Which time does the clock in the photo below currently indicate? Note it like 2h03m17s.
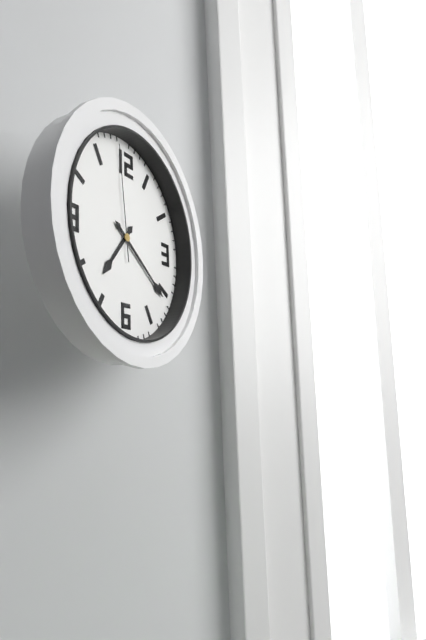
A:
7h21m59s
